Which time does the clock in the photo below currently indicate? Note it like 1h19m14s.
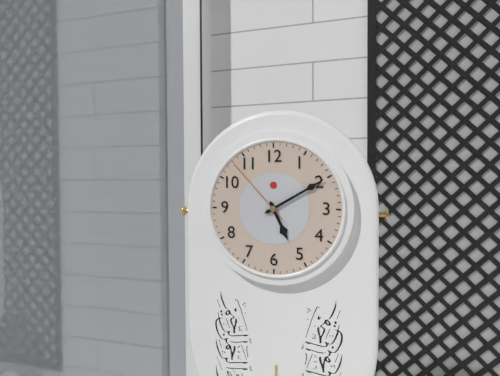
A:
5h10m53s
